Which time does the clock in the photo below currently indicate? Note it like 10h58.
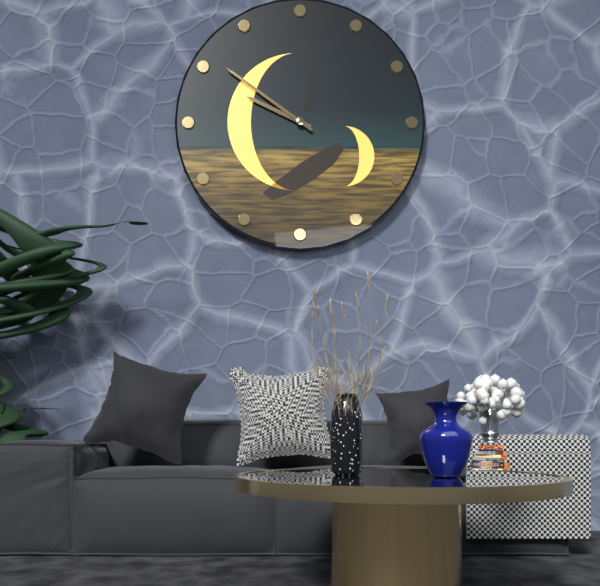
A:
9h51
